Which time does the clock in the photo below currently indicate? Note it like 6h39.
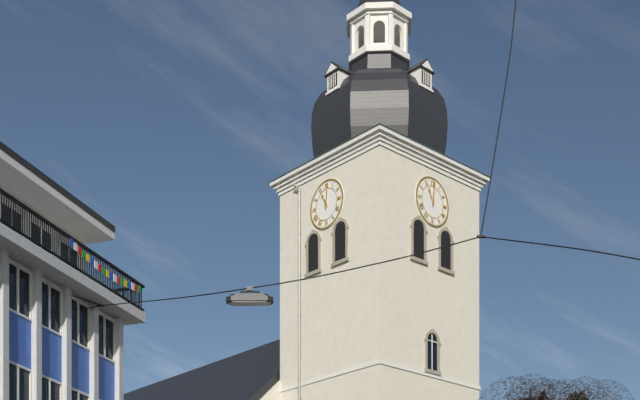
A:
11h01
